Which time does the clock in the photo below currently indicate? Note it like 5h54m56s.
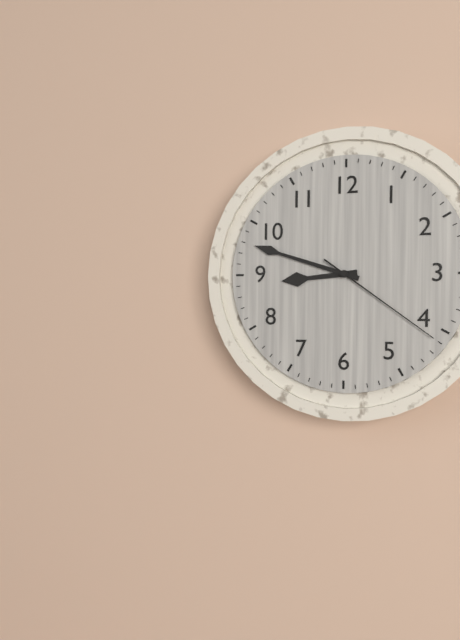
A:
8h48m21s
